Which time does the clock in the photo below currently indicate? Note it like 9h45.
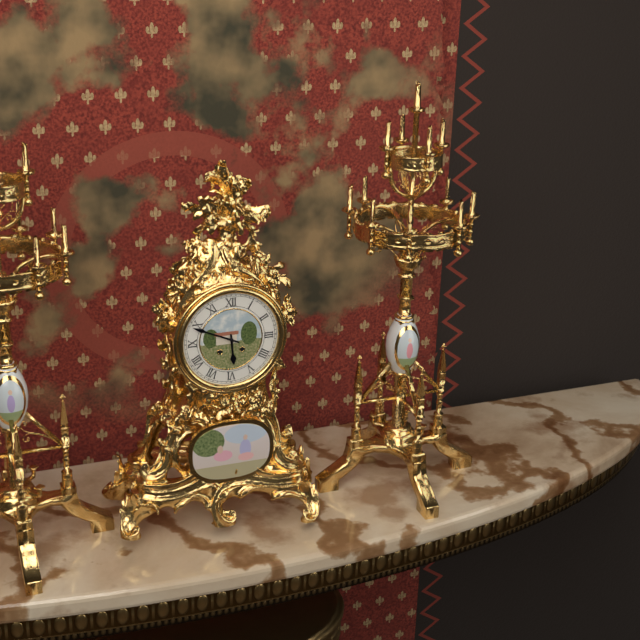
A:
5h49
